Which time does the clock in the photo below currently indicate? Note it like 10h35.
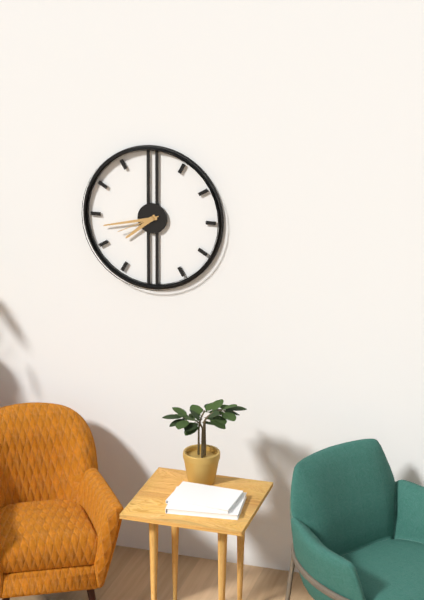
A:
7h43
